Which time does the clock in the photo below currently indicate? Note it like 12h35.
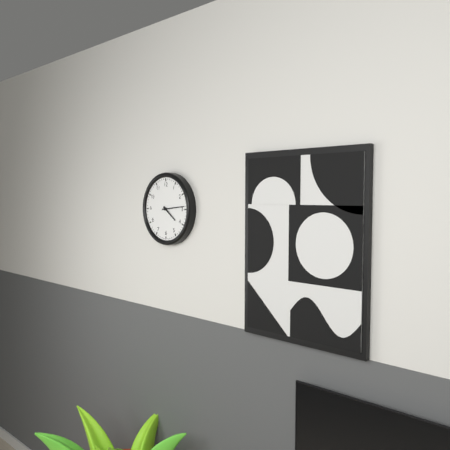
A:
4h14
